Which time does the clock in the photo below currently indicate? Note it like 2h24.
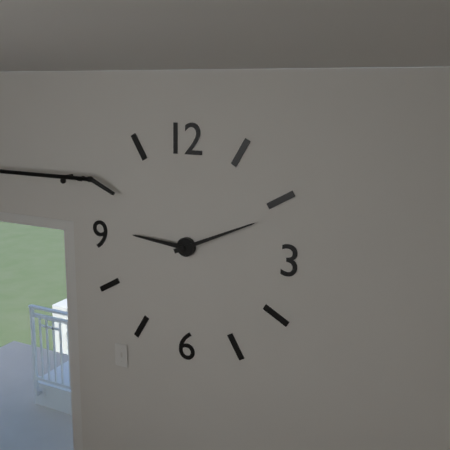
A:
9h11
